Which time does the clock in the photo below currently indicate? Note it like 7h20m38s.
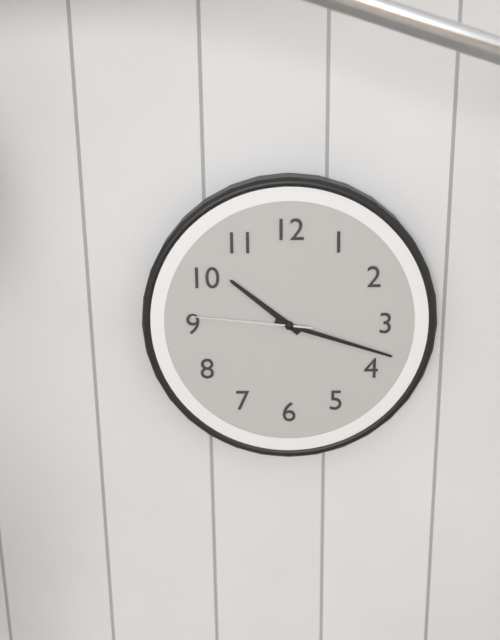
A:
10h18m46s
